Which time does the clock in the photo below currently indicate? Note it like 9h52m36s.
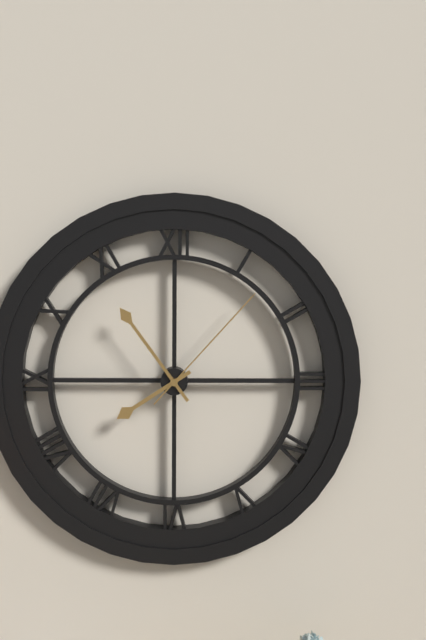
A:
7h54m07s
